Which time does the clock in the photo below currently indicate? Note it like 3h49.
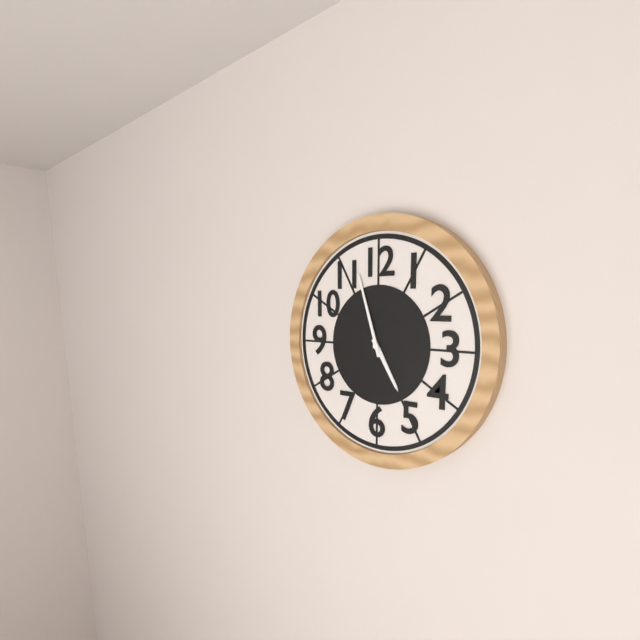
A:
4h57
